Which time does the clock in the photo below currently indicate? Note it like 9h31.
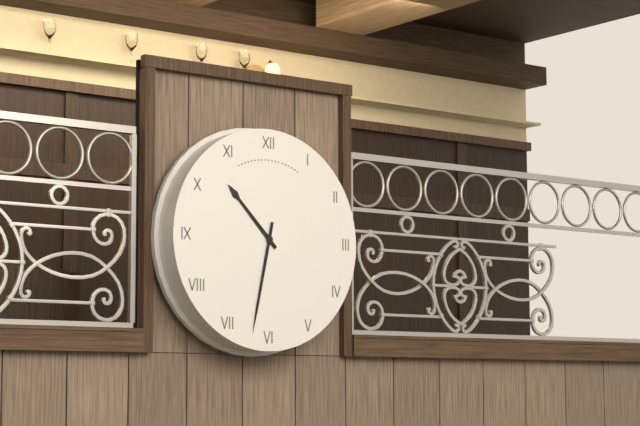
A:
10h32
